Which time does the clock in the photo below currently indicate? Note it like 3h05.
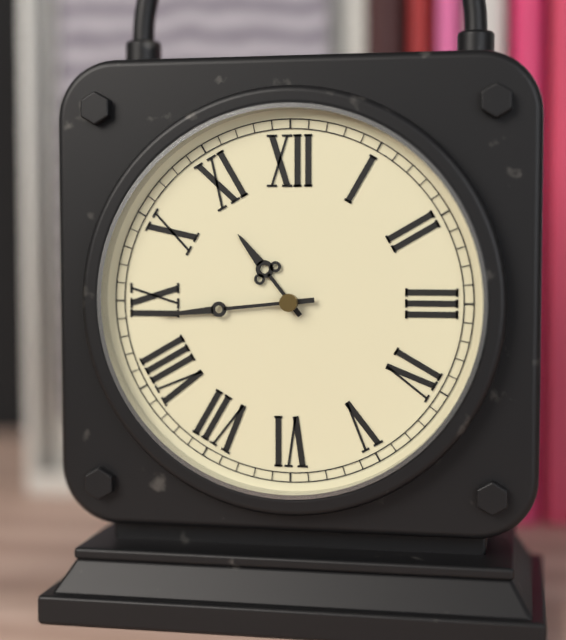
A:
10h44
